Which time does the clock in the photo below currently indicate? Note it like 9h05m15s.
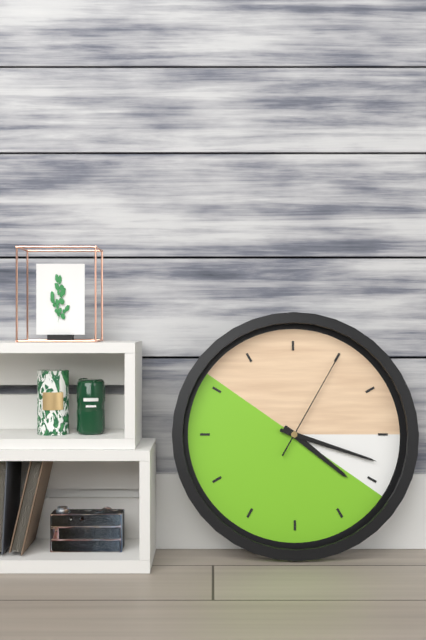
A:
4h18m05s
